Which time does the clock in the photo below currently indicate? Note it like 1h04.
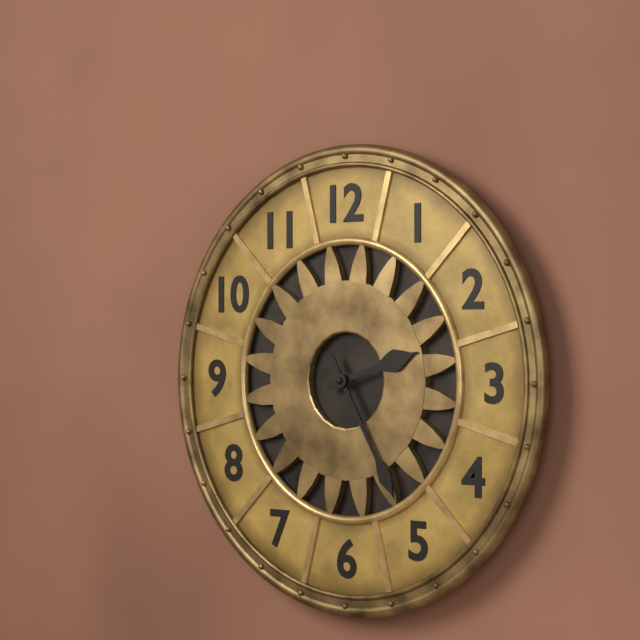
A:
2h25
